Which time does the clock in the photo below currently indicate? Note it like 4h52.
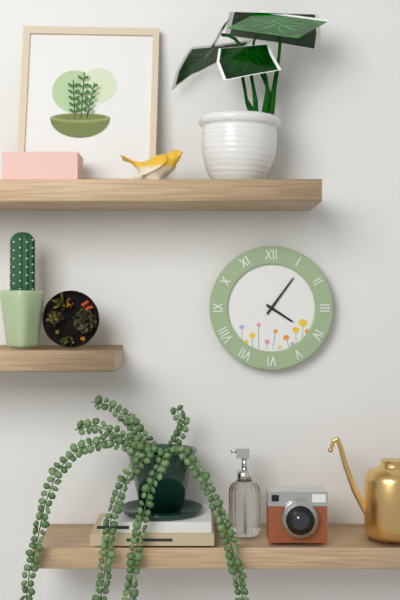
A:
4h06
